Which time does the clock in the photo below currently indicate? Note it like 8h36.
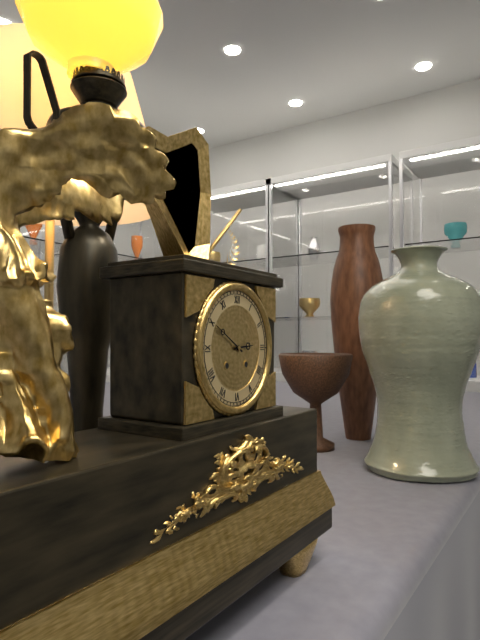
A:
2h50
